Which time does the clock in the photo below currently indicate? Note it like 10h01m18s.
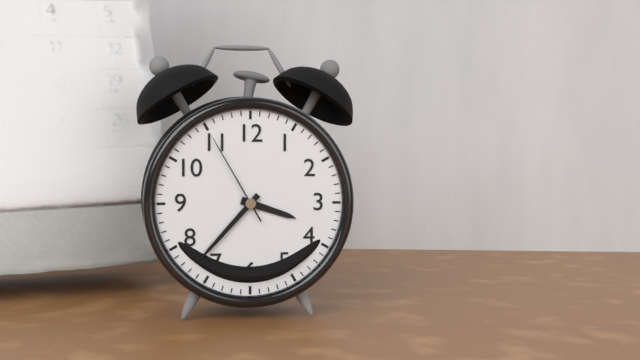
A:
3h37m55s
